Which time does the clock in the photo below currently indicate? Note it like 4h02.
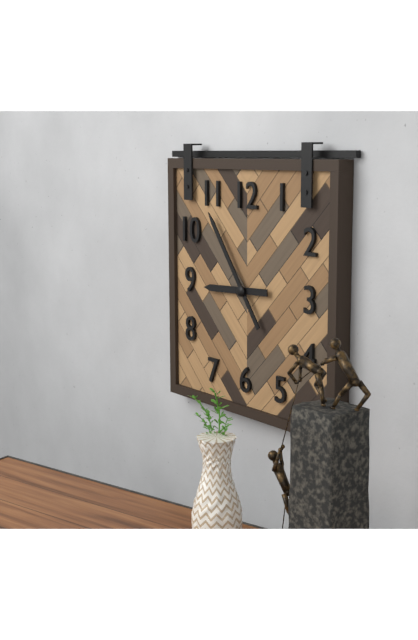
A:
8h54
